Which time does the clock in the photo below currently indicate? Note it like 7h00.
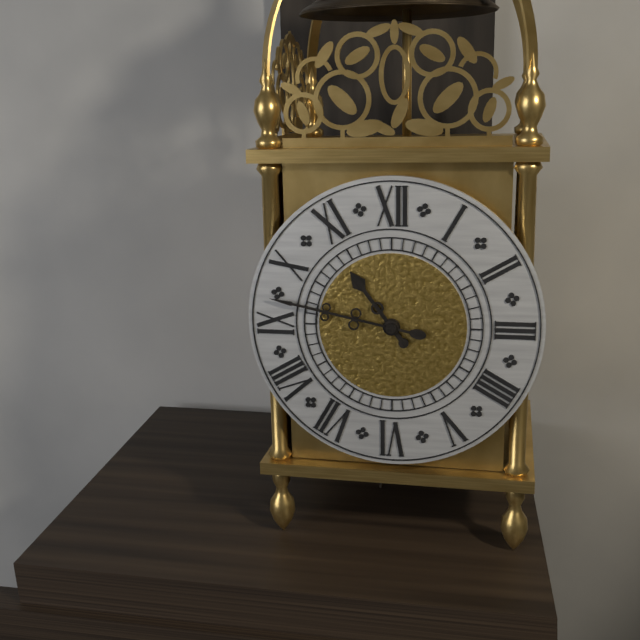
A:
10h47
